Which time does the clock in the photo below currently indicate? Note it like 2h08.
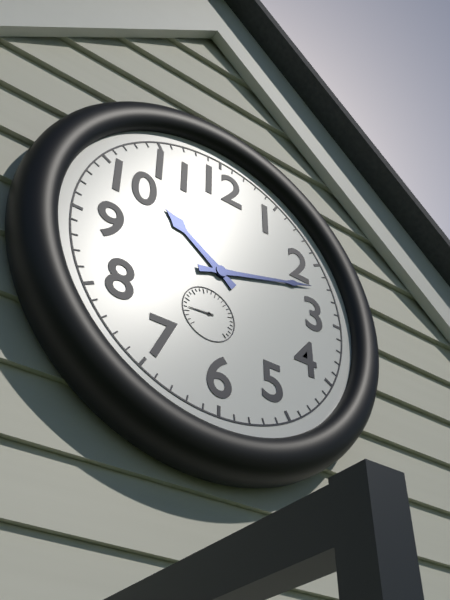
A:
10h12
